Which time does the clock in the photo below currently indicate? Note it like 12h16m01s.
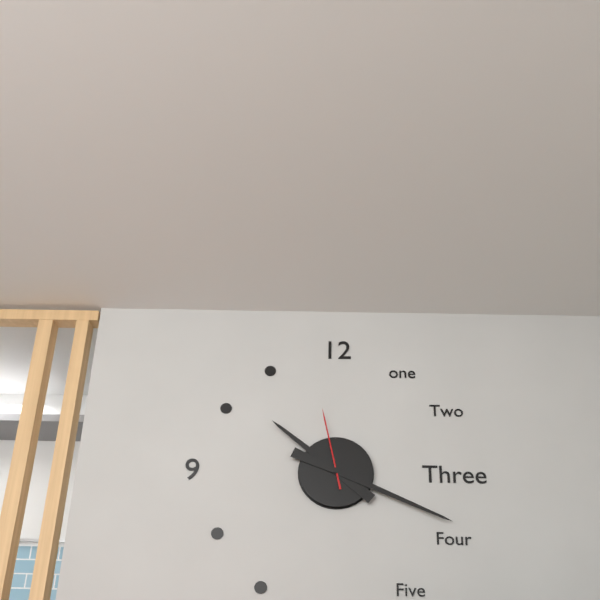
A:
10h19m58s
